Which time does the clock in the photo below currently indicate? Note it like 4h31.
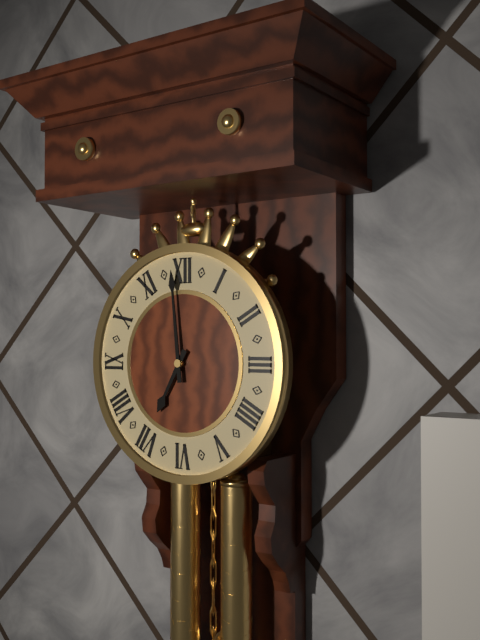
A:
6h59
